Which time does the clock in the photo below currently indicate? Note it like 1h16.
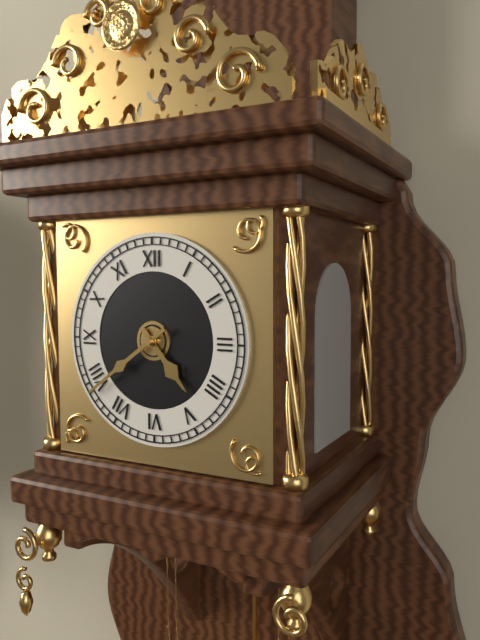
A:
4h39
